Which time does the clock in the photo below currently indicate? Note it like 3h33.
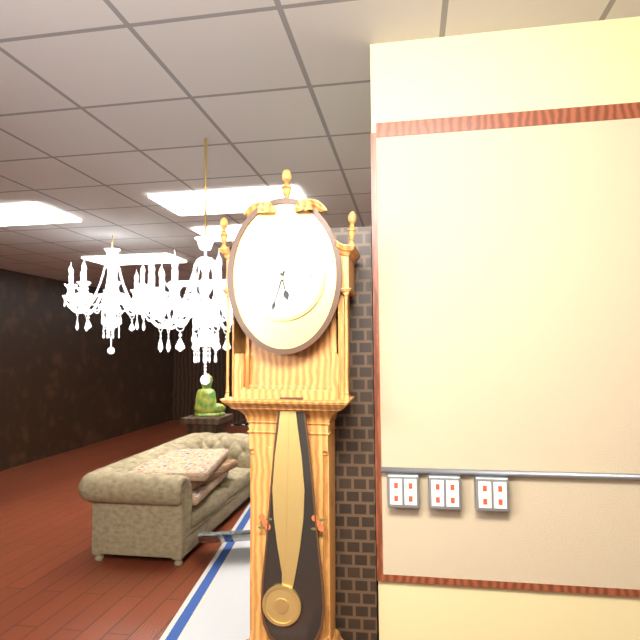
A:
5h33
